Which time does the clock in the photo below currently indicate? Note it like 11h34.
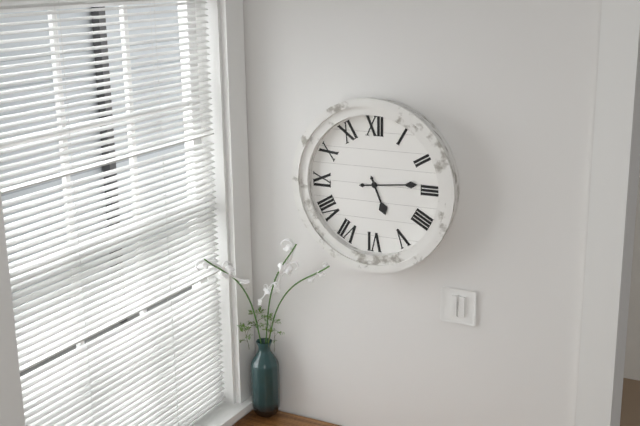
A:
5h14
